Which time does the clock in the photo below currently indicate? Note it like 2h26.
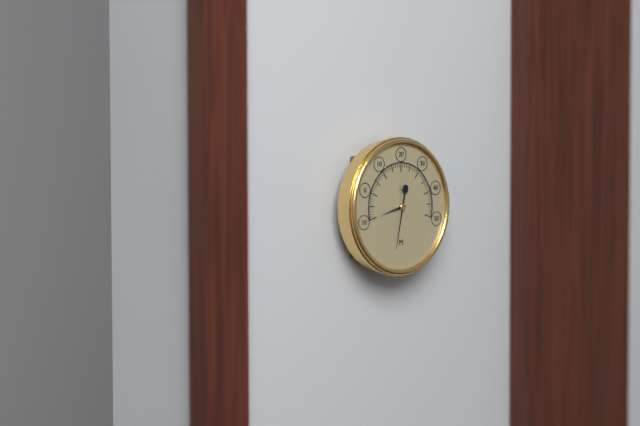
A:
8h32
